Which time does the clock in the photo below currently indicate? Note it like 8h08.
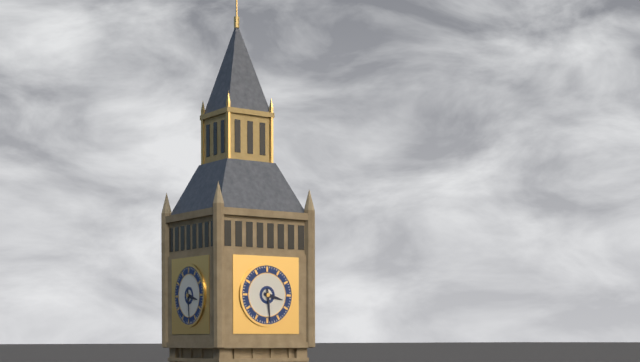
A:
3h29
